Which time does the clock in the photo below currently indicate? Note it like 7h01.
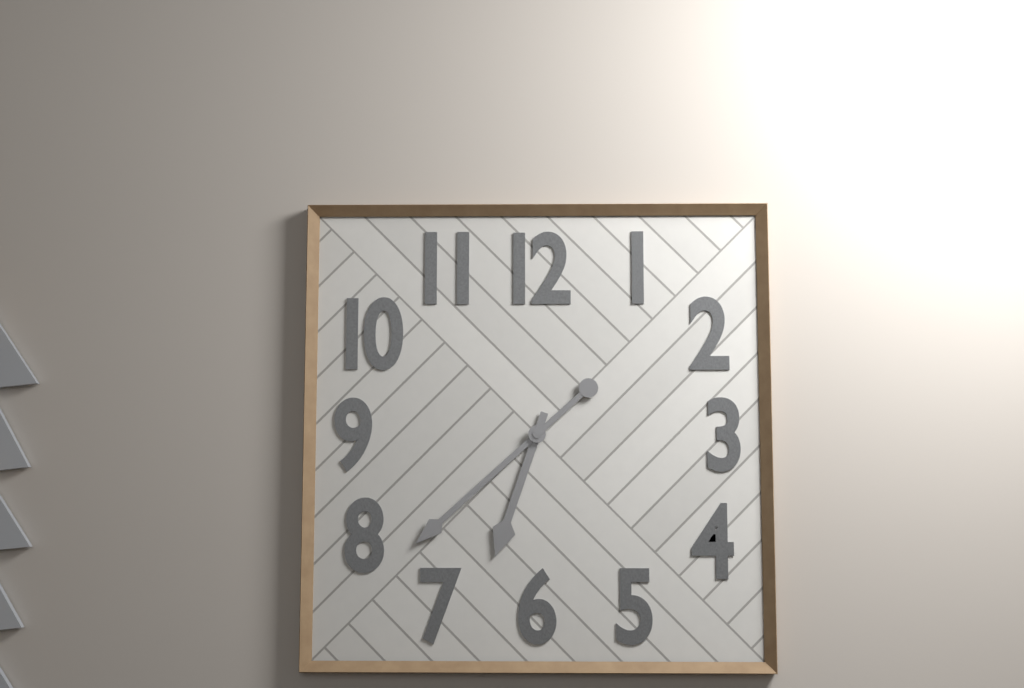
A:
6h38
